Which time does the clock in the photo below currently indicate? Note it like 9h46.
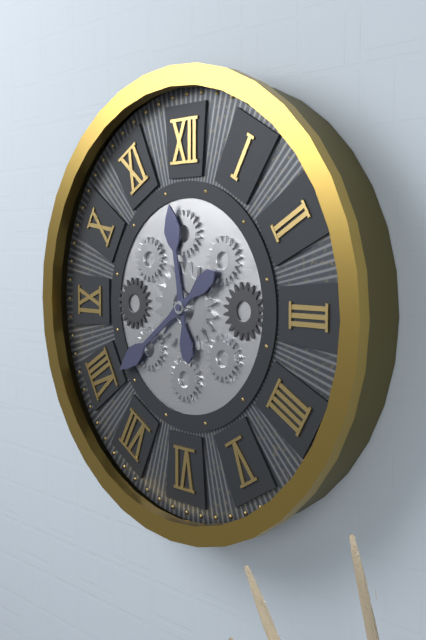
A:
11h39
